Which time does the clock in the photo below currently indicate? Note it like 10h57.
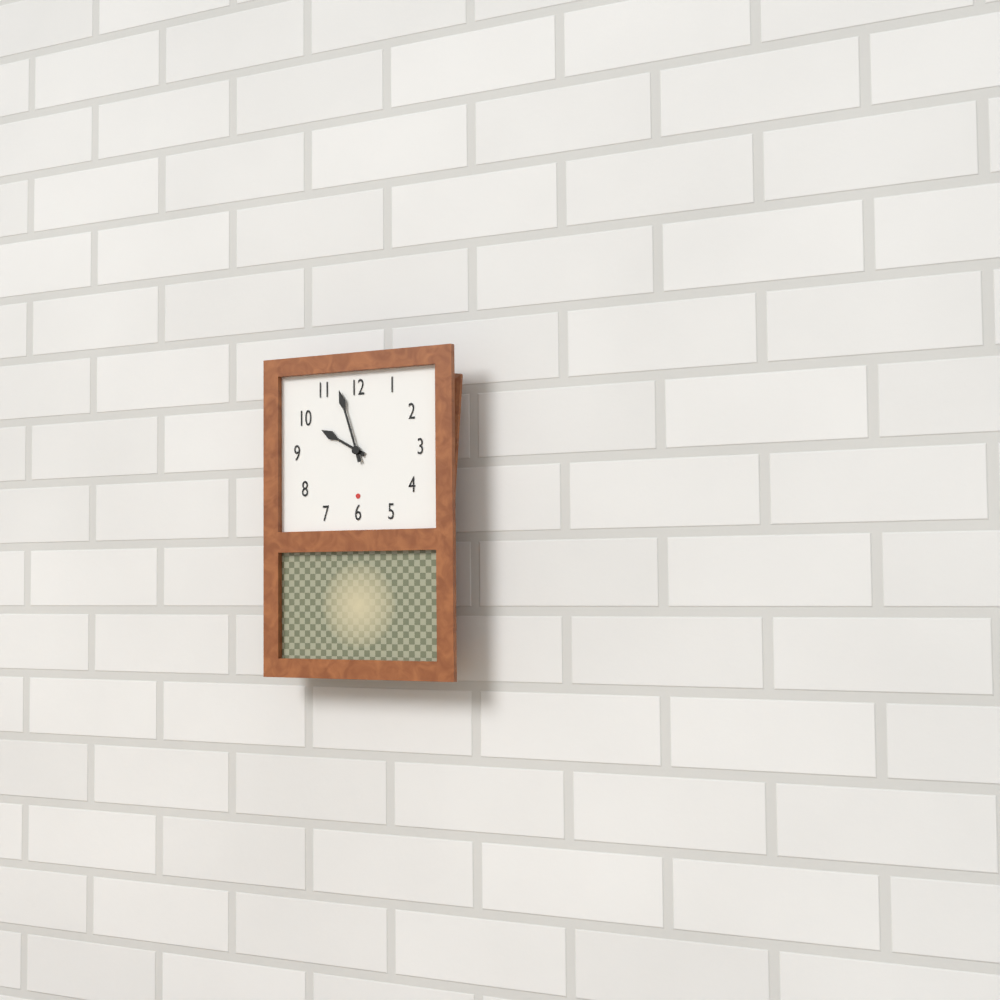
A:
9h57
